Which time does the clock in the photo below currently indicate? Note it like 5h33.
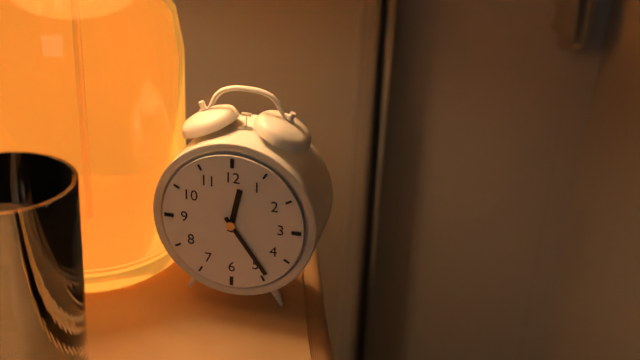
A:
12h24
